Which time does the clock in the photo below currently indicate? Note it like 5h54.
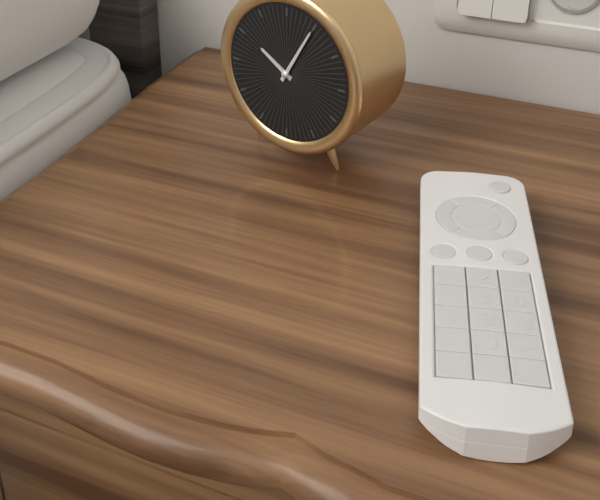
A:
10h05
